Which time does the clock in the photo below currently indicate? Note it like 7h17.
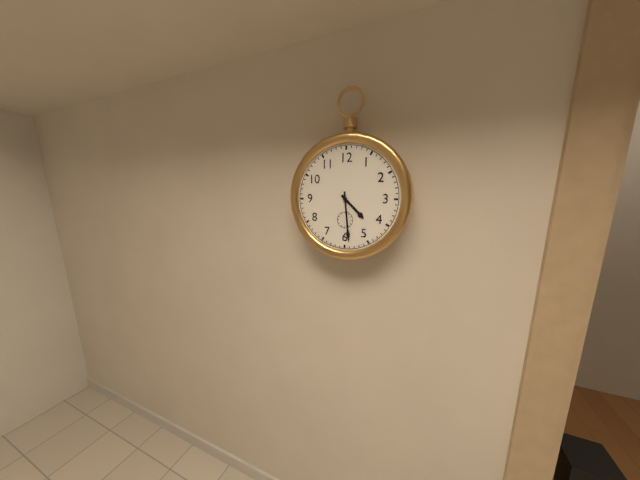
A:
4h29
